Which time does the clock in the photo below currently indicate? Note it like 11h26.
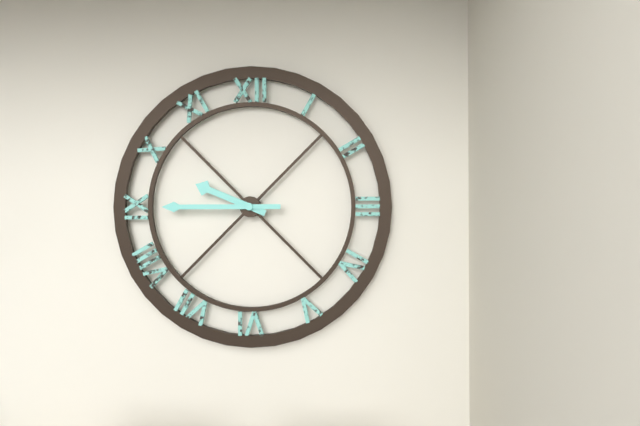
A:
9h45
